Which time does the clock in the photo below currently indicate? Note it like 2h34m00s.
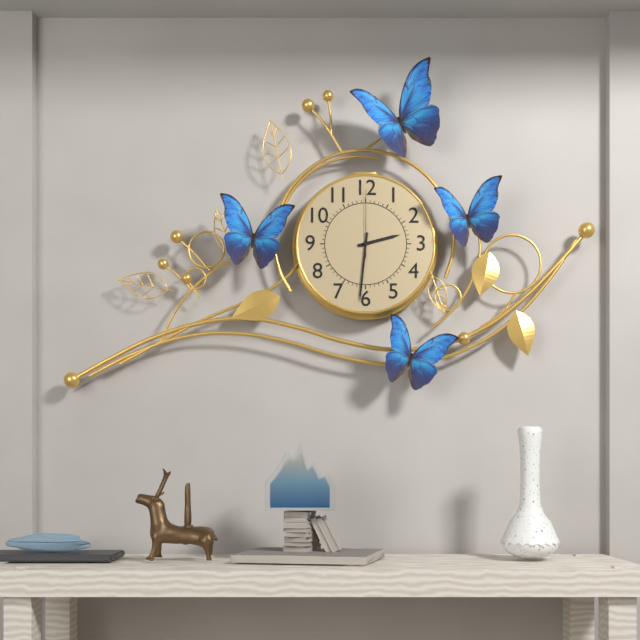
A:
2h31m00s
